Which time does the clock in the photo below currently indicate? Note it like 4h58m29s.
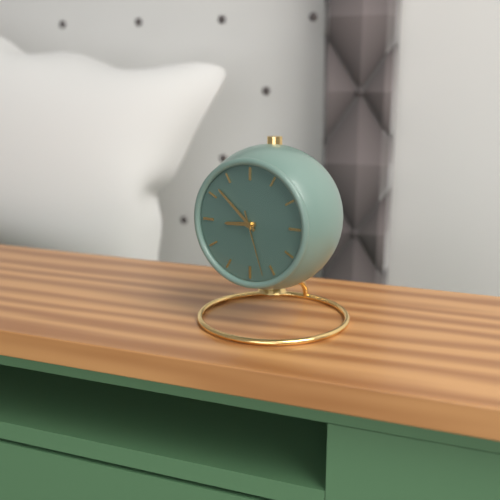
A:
8h52m27s
